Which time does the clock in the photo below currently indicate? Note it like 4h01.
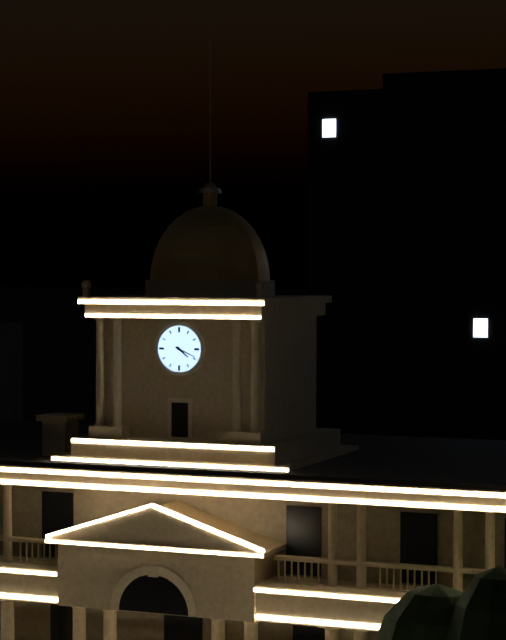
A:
4h19
